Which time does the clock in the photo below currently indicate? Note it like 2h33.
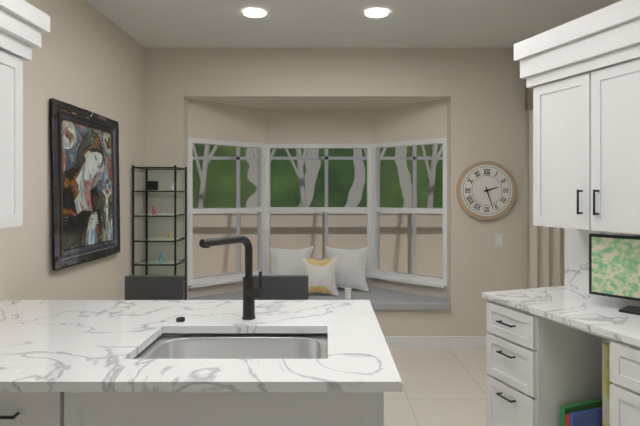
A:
2h27
